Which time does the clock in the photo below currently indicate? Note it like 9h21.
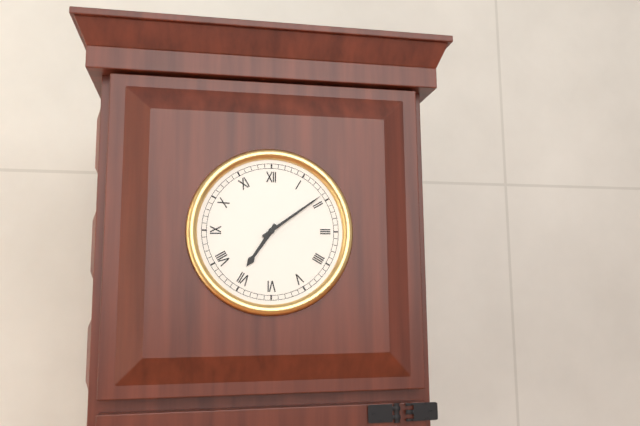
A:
7h09
